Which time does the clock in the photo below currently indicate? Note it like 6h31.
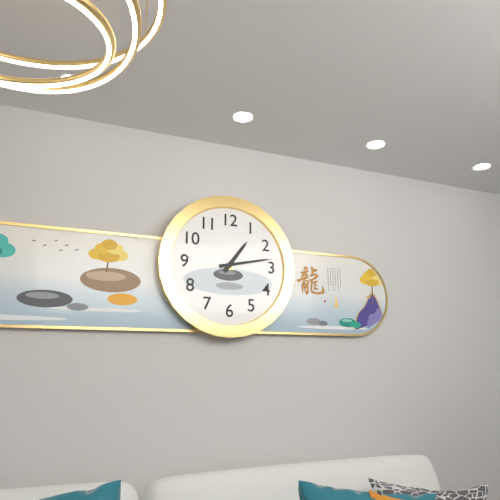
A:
1h13
